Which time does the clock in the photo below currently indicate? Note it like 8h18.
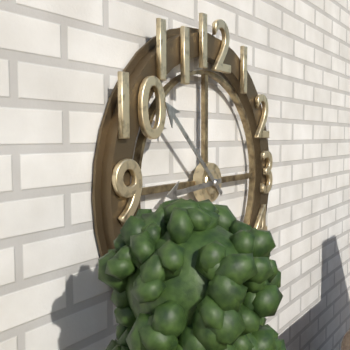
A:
8h52
